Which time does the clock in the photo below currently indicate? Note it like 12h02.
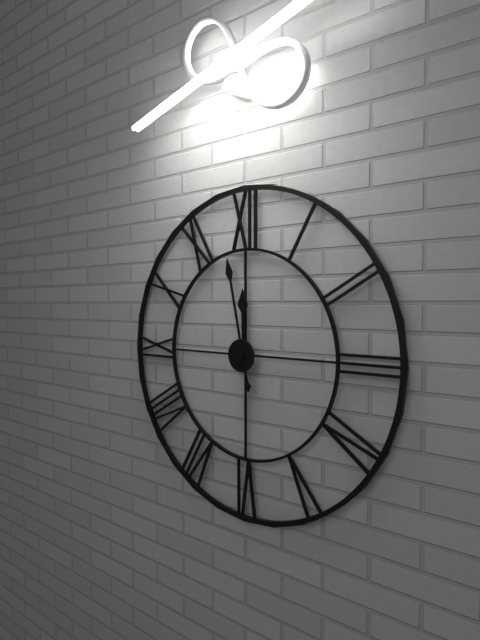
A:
11h58
